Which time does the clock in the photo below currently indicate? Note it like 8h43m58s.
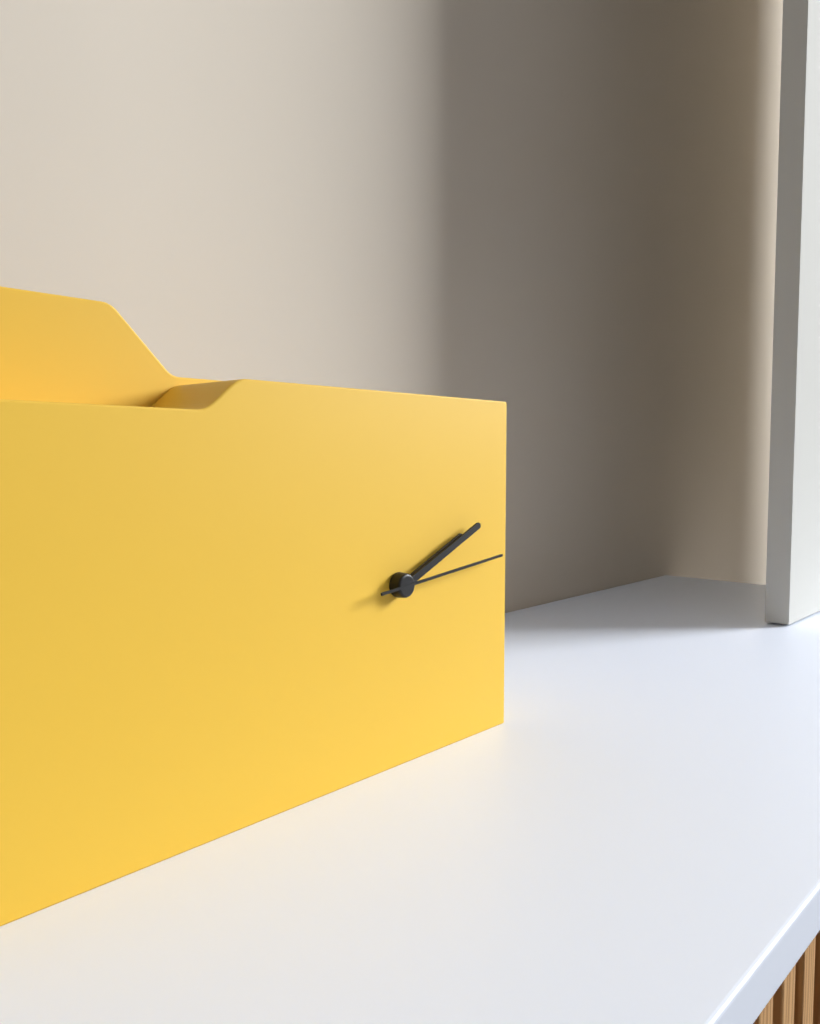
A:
2h11m14s
